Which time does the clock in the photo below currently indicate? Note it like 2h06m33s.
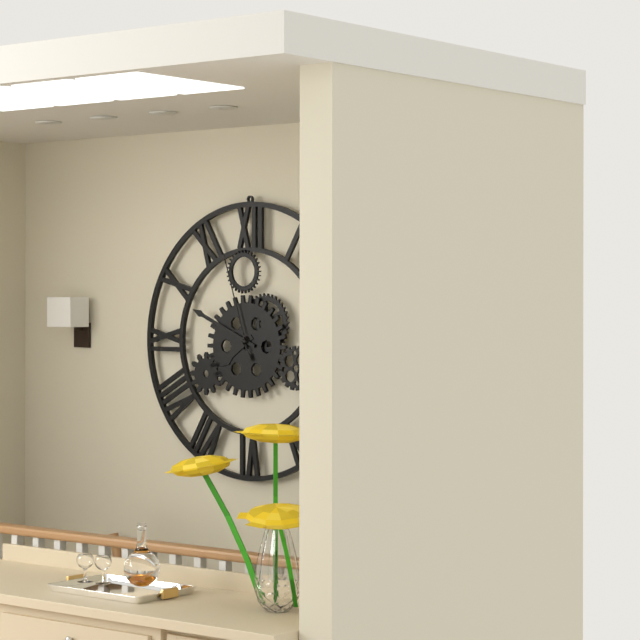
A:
7h49m57s
